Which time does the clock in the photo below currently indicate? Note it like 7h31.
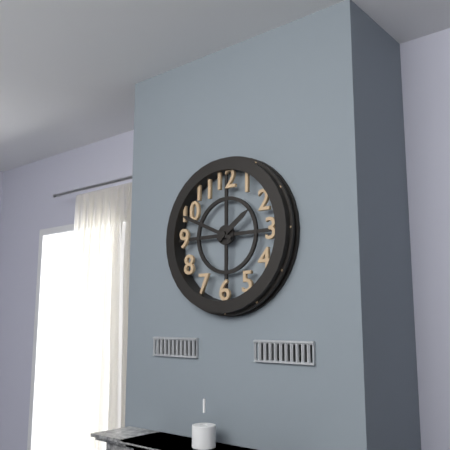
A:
1h49
